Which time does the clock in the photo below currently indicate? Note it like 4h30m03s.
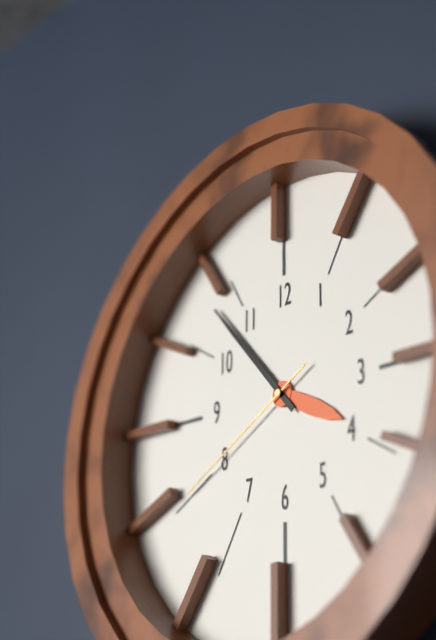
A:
3h53m40s
